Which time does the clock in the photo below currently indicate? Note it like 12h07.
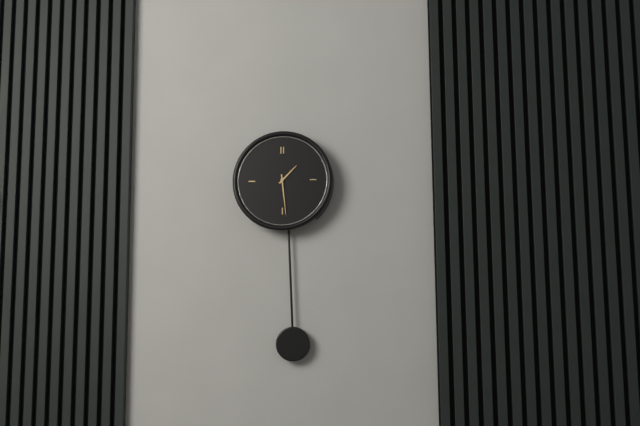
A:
1h29
